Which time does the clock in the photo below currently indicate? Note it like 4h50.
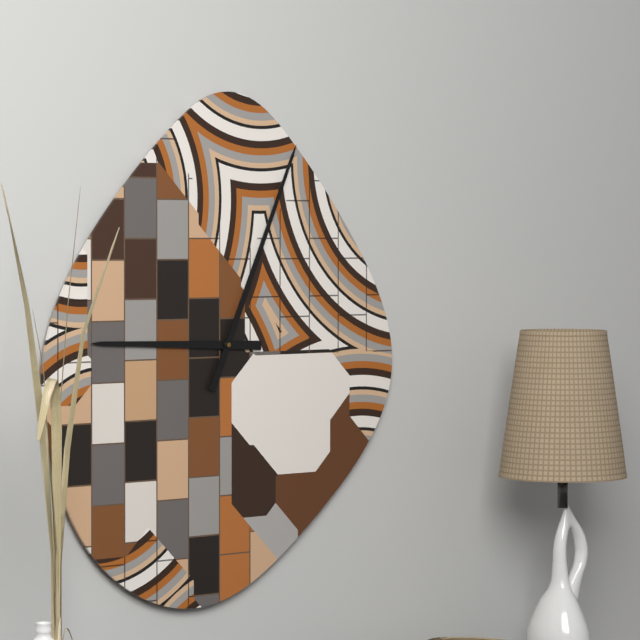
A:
9h04
